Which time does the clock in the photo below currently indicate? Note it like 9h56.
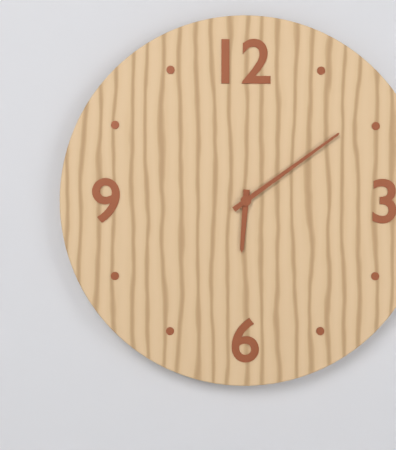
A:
6h09
